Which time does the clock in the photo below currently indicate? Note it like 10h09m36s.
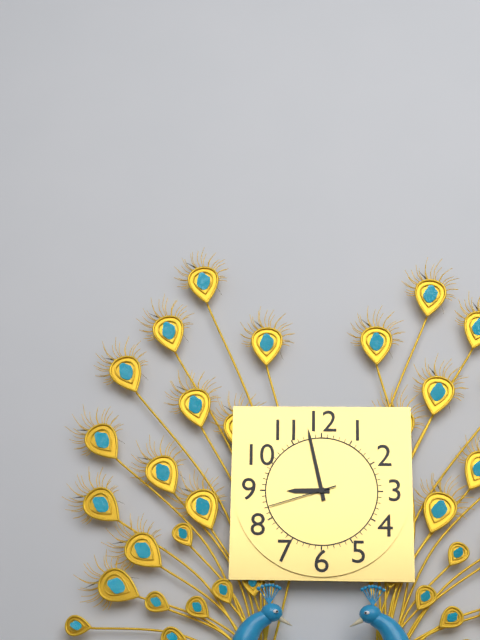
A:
8h58m42s
